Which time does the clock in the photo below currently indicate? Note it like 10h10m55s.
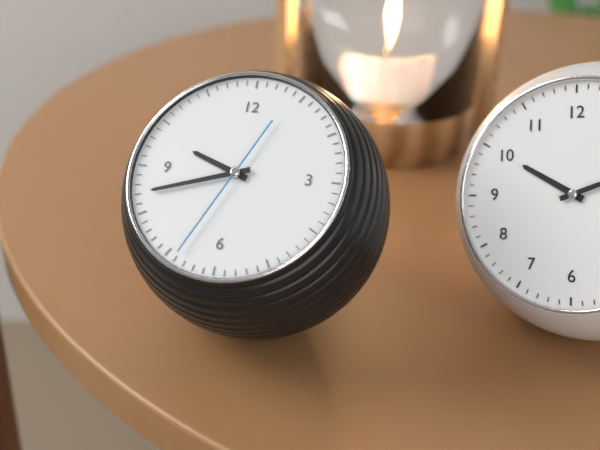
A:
9h42m34s
